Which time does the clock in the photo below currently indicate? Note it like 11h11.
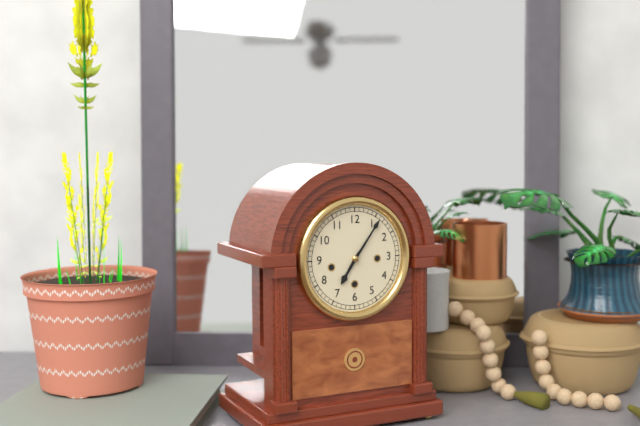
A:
7h06
